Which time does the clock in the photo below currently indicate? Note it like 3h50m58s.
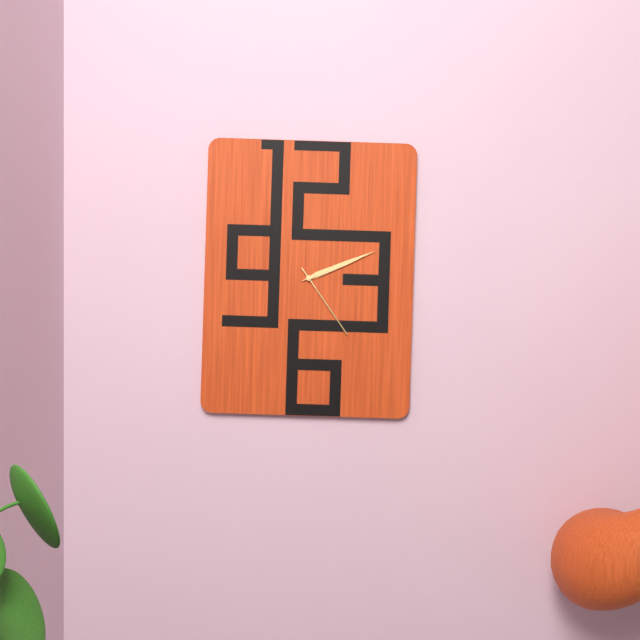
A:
2h11m24s
